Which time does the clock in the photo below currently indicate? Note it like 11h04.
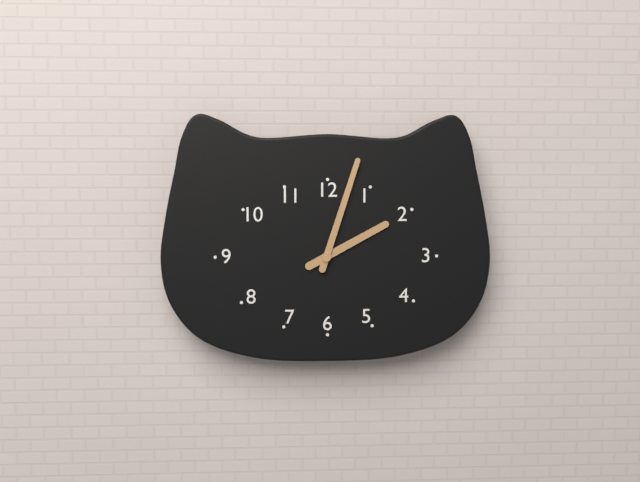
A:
2h03
